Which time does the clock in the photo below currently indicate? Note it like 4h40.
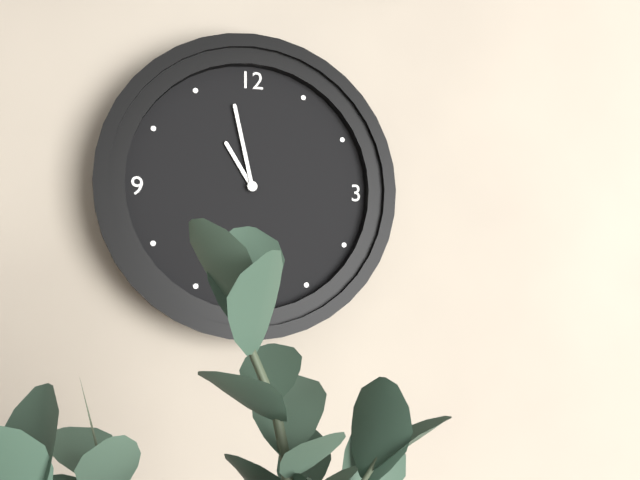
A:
10h58
